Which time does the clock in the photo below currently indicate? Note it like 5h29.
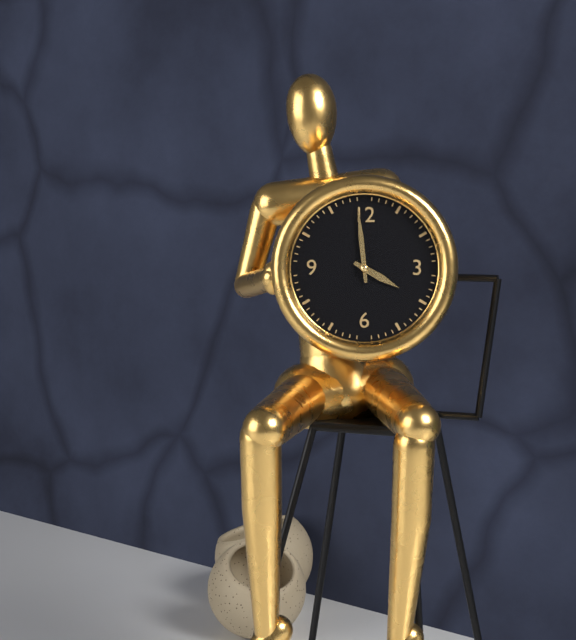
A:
3h59
